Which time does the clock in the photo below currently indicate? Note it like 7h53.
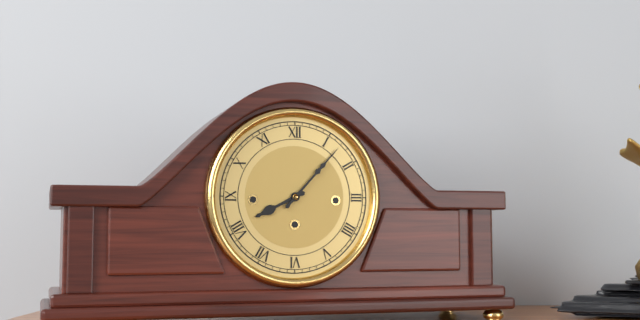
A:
8h07
